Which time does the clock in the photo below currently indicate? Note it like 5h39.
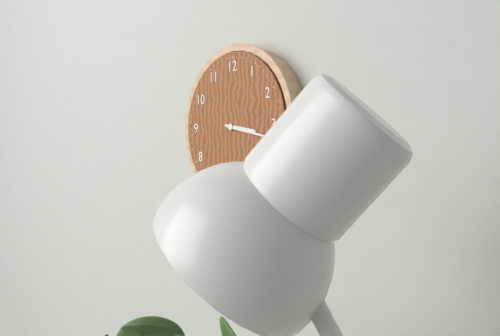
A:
3h17
